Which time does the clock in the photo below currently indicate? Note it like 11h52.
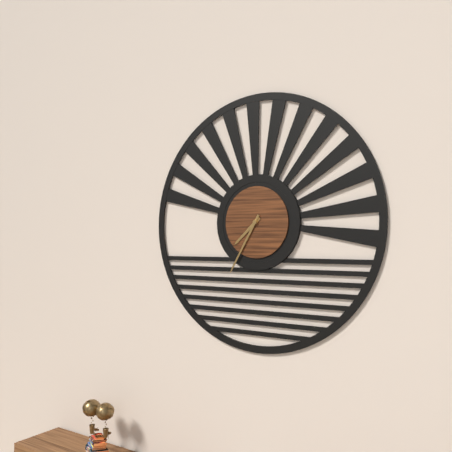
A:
7h35
